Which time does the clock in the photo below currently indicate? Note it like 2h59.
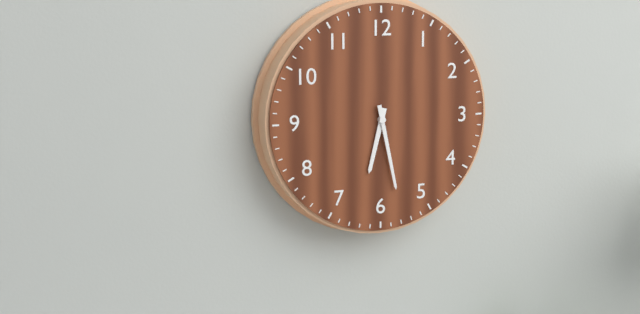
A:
6h28
